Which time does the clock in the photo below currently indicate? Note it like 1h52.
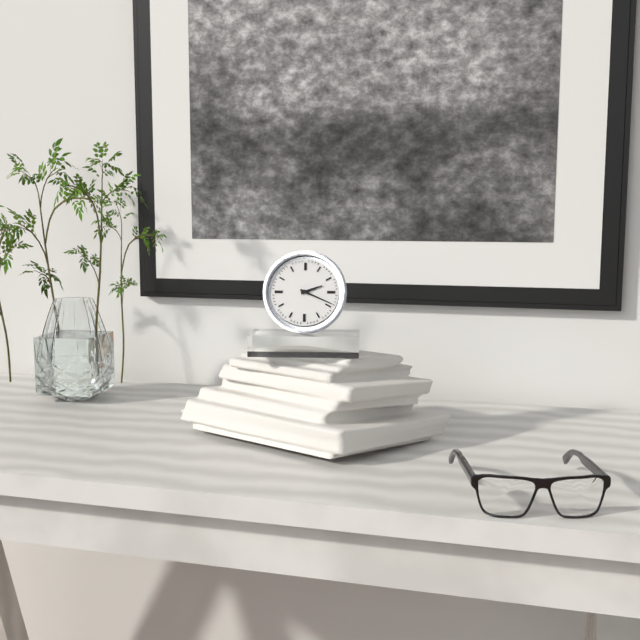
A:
2h19
